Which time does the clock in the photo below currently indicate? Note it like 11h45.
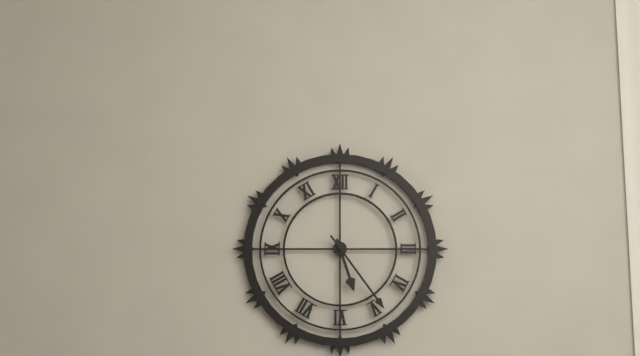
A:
5h24
